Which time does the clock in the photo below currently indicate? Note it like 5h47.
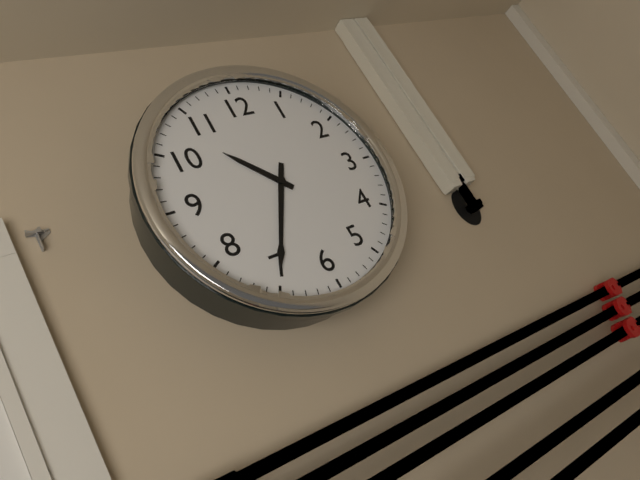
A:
10h35
